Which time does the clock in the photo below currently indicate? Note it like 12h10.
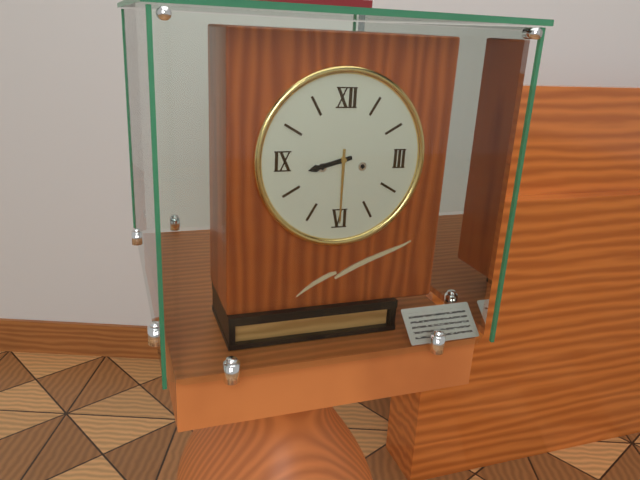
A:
8h30
